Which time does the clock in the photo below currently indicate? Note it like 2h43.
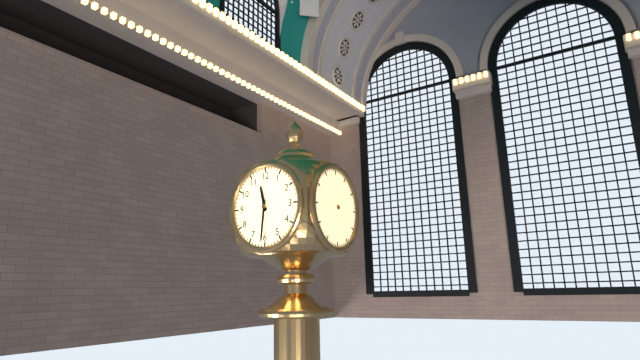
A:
11h31
